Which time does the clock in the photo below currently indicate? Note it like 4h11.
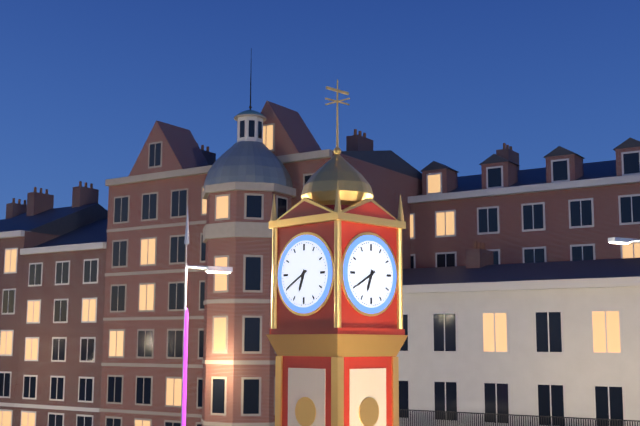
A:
6h40
